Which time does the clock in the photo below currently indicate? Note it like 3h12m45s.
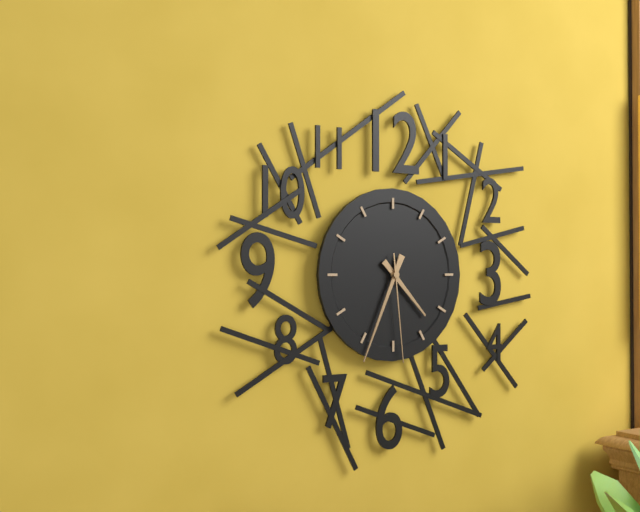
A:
4h34m29s
